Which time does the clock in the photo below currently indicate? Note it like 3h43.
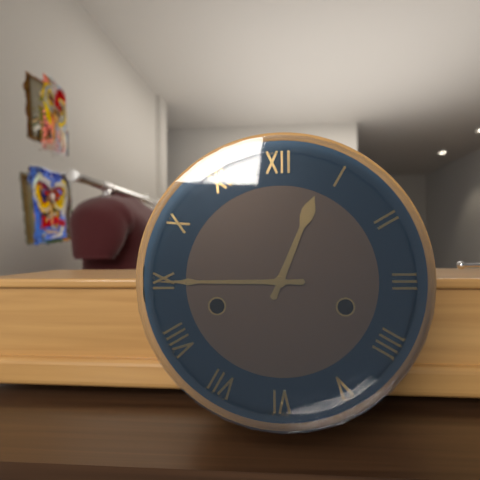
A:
12h45
